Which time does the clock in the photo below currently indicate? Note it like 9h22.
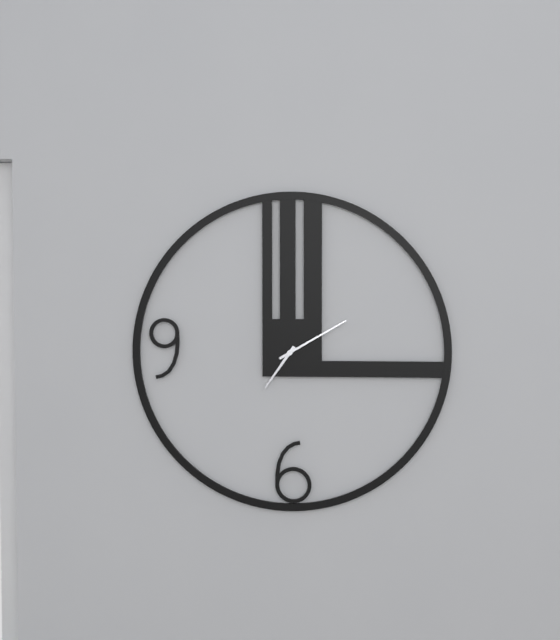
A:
7h10
